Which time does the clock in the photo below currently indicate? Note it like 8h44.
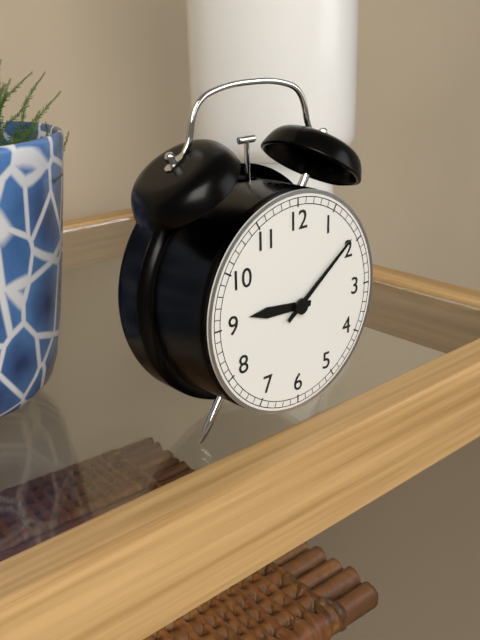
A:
9h09
